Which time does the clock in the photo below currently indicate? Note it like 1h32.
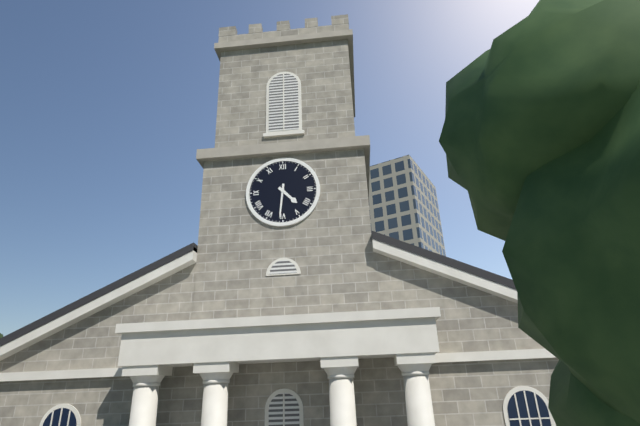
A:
4h31
